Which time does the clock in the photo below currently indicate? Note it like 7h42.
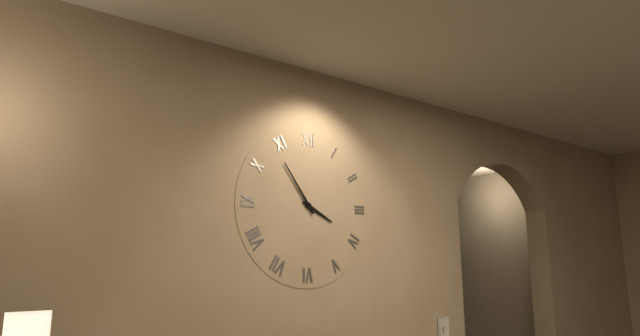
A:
3h54
